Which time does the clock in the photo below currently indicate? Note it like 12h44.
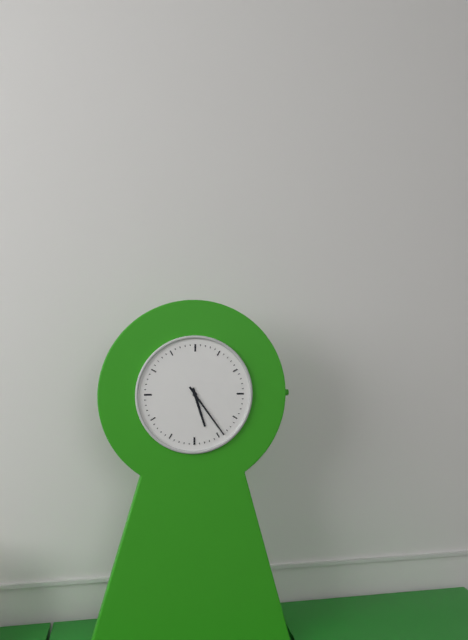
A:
5h24
